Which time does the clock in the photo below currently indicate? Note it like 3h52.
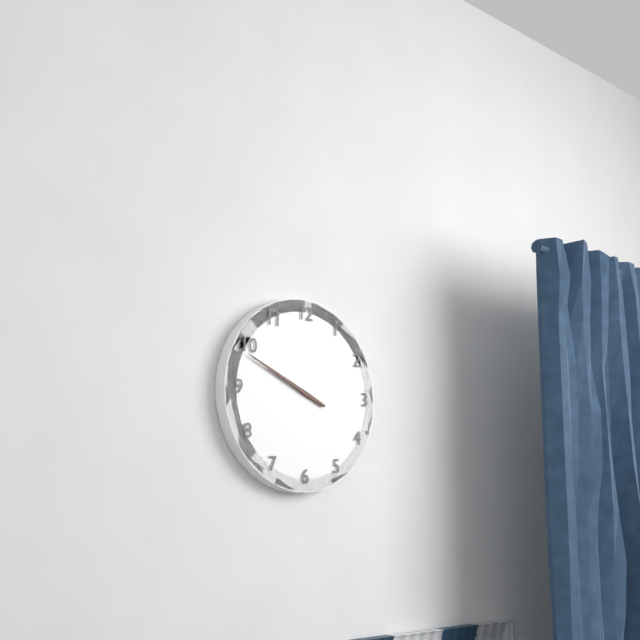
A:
9h49
